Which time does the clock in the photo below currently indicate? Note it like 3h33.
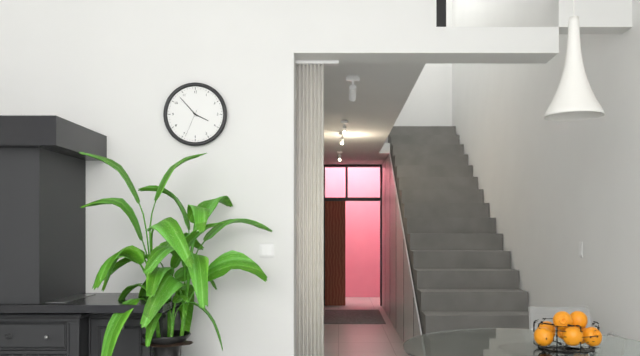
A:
3h53
